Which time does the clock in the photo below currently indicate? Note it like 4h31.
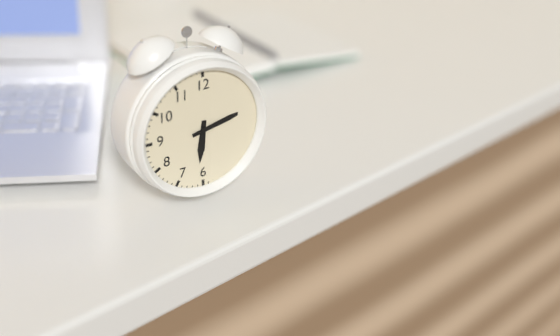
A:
6h13
